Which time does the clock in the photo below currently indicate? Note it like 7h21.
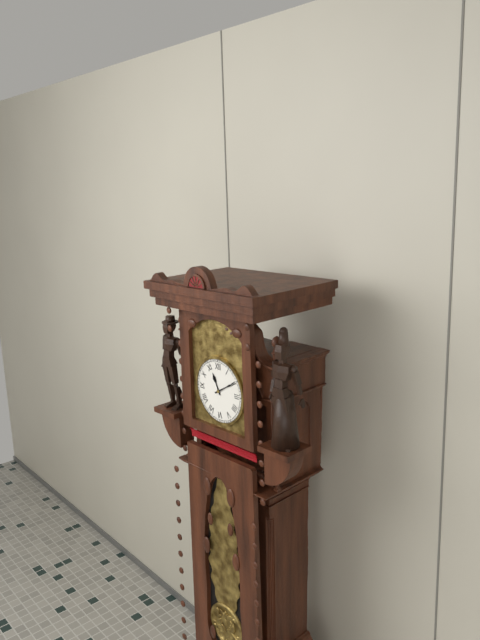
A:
11h10
